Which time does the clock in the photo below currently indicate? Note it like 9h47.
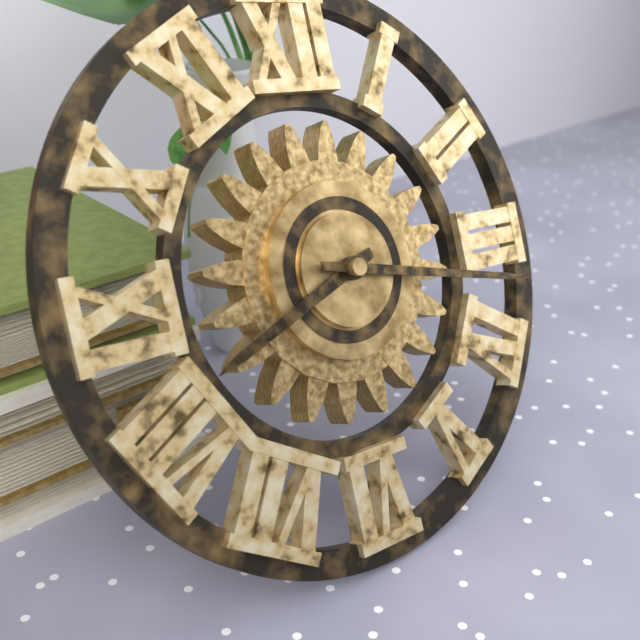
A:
8h17
